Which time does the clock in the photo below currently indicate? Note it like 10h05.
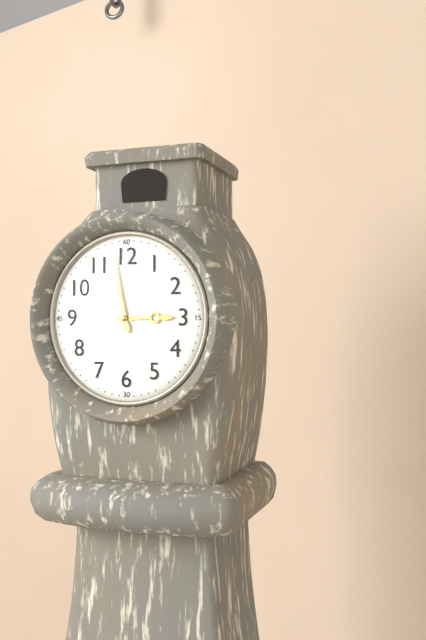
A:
2h58
